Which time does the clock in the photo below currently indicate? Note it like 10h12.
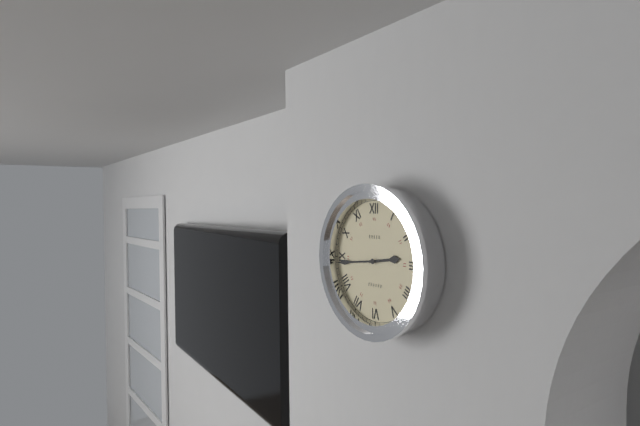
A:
2h44
